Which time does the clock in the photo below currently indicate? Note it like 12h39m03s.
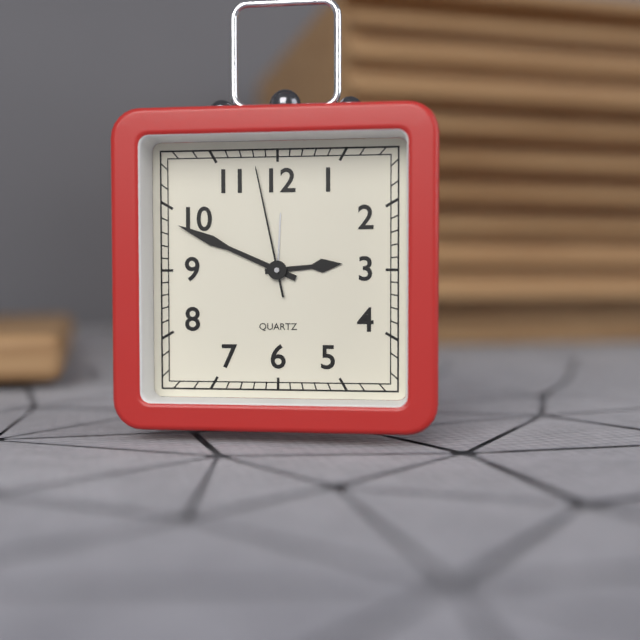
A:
2h49m58s
